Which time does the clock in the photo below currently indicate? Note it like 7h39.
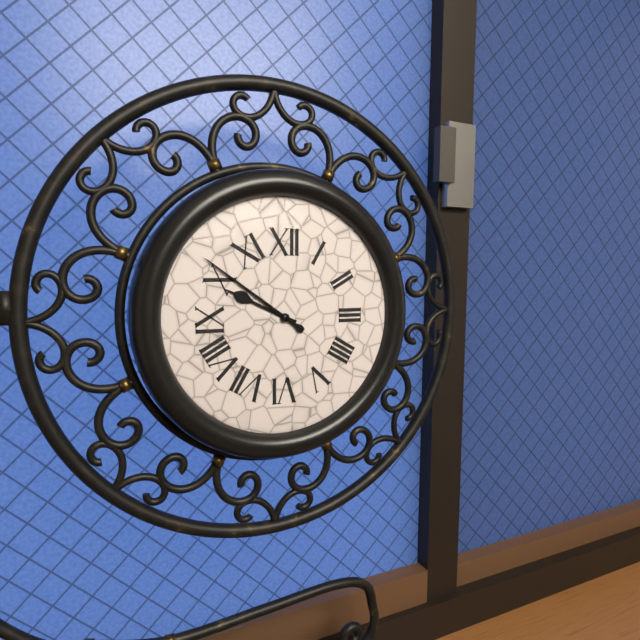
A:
9h51
